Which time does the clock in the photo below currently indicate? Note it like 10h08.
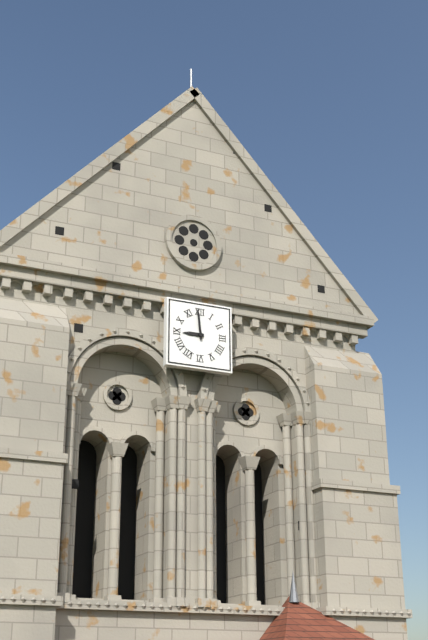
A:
8h59
